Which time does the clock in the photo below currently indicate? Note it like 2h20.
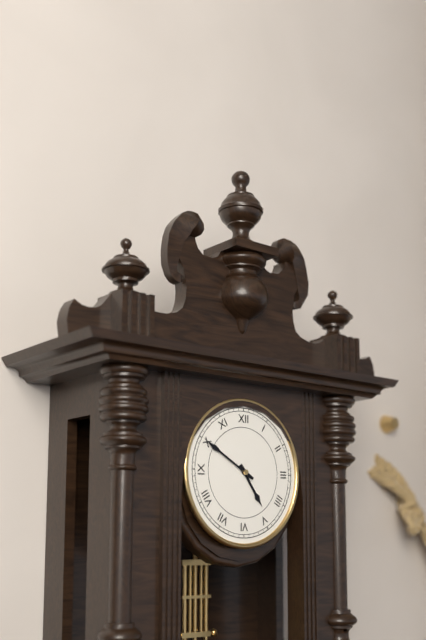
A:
4h50
